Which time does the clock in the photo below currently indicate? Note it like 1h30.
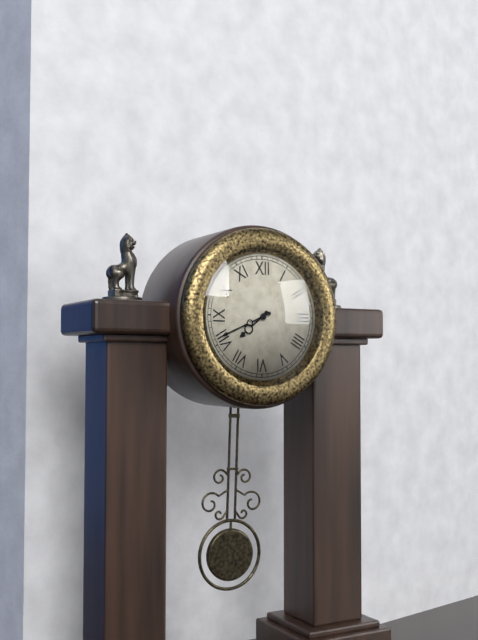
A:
7h41
